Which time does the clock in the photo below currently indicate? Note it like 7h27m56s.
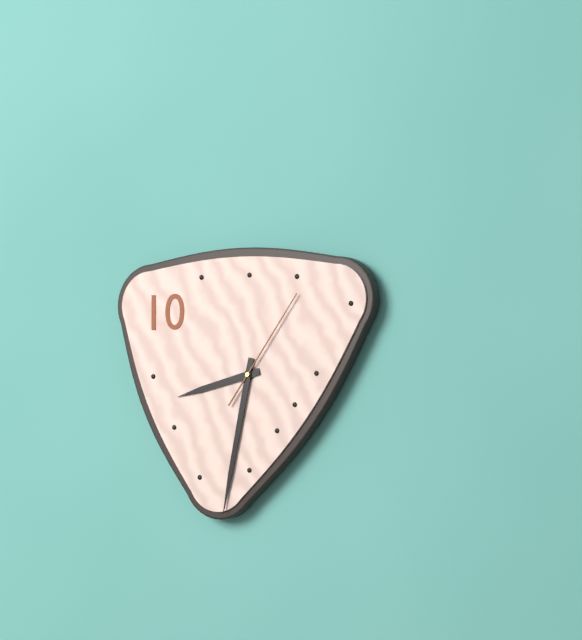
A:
8h32m06s
